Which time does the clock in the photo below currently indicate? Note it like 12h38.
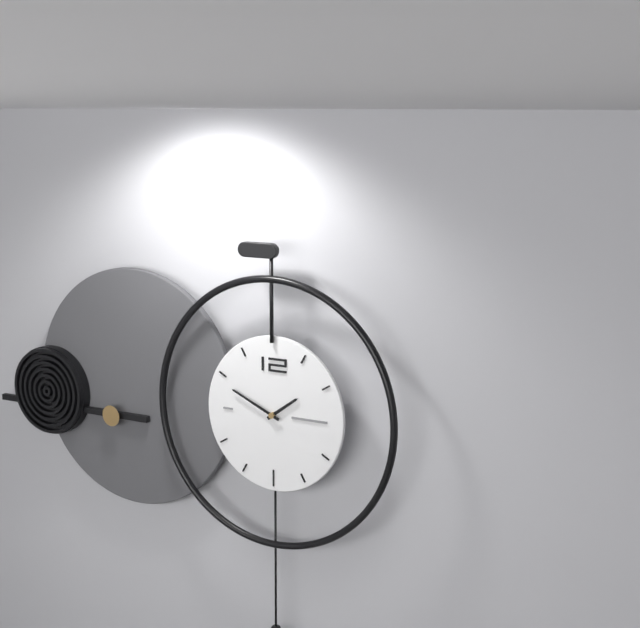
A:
1h49
